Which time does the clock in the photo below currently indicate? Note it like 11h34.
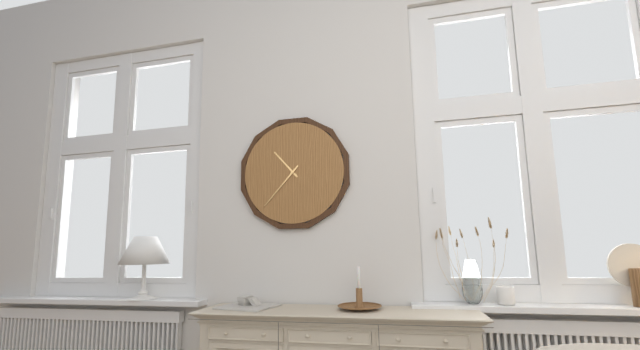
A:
10h37
